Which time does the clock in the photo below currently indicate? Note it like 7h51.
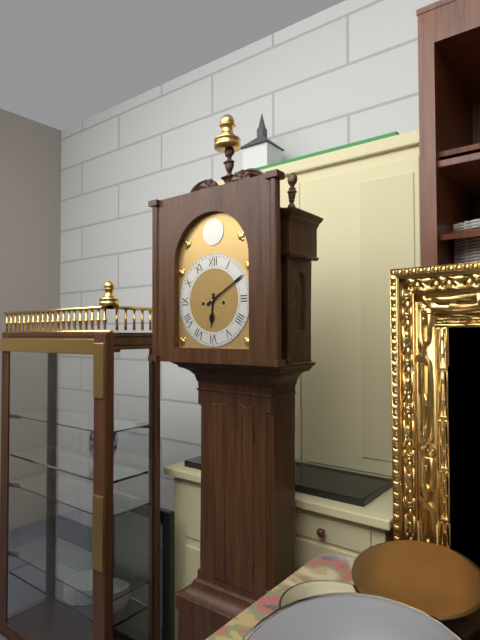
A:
6h10
